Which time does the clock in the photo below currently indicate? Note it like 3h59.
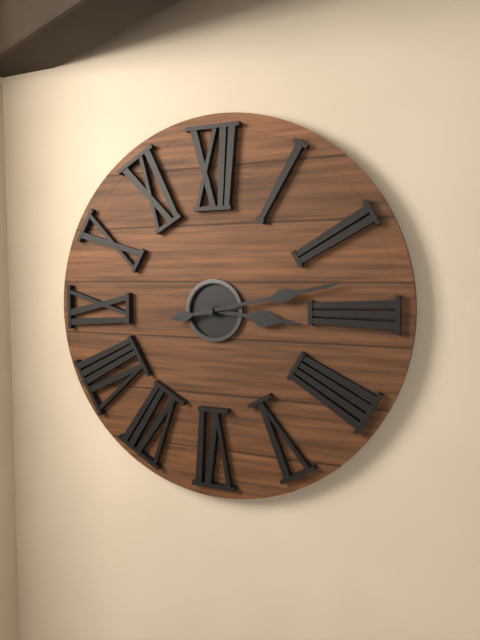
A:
3h13
